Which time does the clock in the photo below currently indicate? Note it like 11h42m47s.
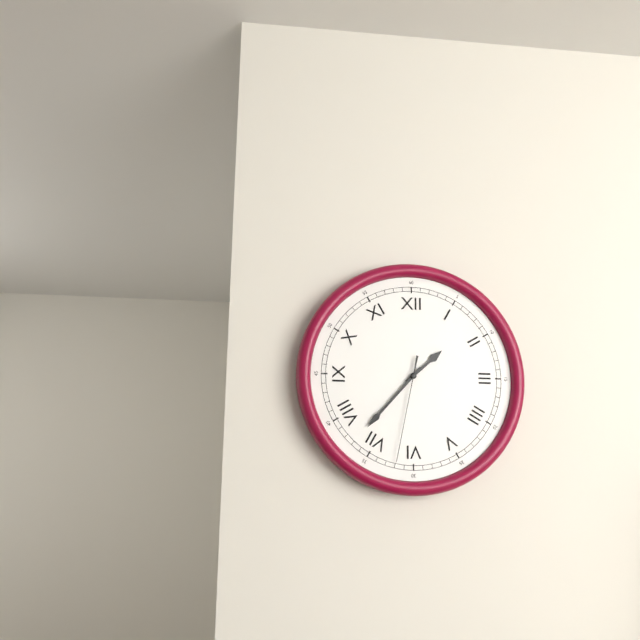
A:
1h37m32s
